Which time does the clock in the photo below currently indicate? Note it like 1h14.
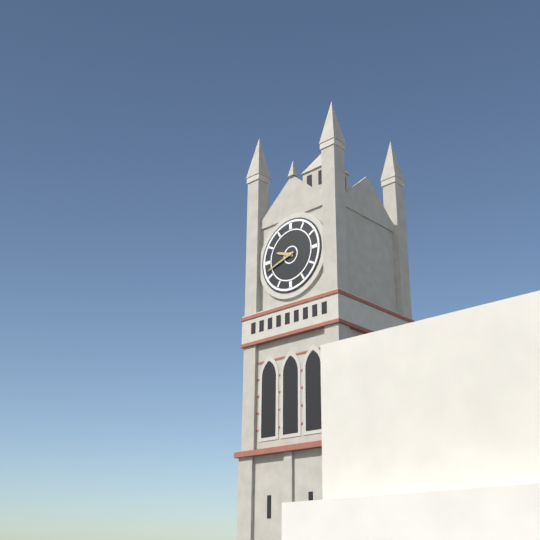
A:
9h42
